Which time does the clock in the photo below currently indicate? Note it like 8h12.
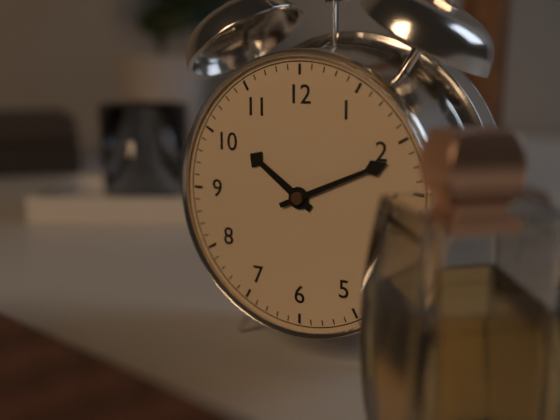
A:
10h11
